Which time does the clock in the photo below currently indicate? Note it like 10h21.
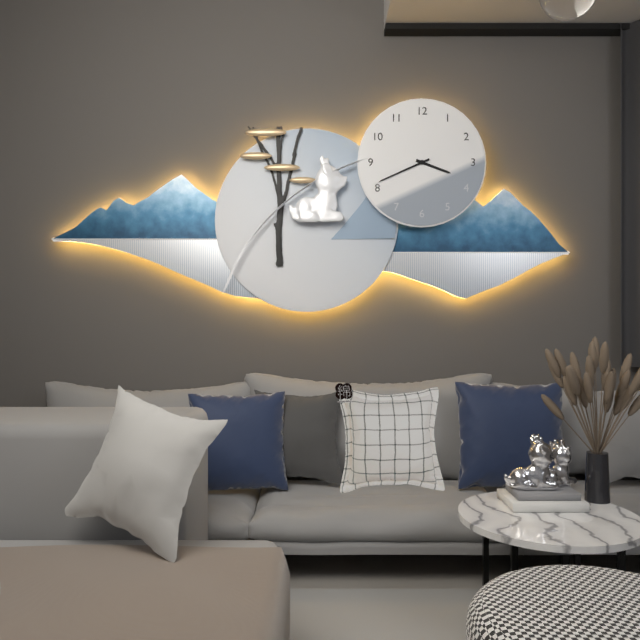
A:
3h41
